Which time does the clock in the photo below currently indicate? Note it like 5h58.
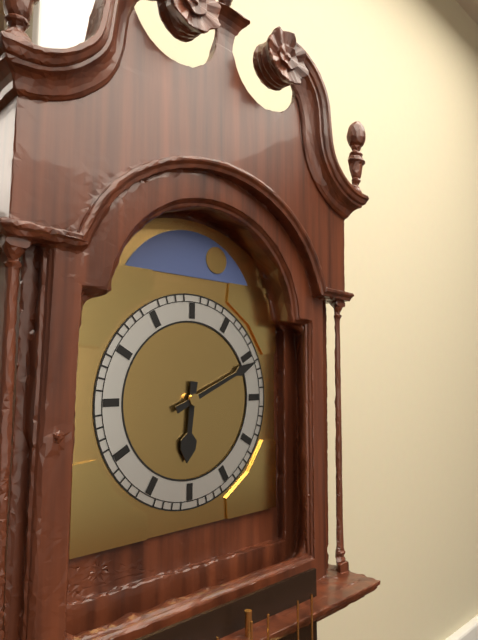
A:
6h11
